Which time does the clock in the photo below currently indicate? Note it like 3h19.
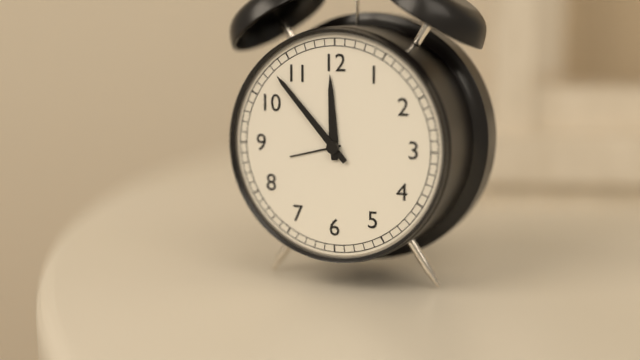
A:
11h53
